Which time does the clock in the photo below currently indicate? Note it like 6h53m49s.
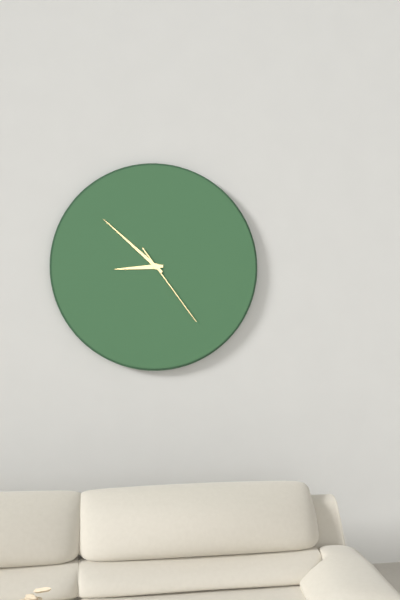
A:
8h52m24s
